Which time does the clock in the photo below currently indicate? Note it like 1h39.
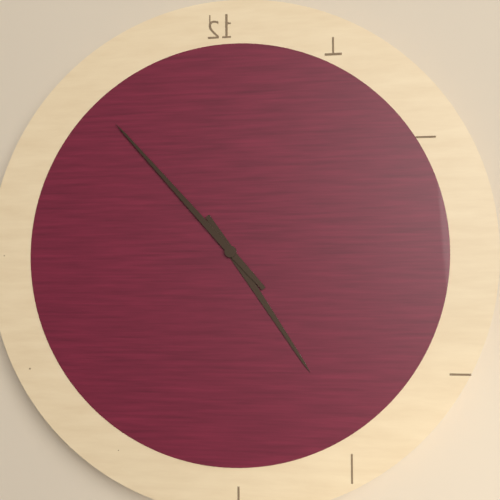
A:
4h53
